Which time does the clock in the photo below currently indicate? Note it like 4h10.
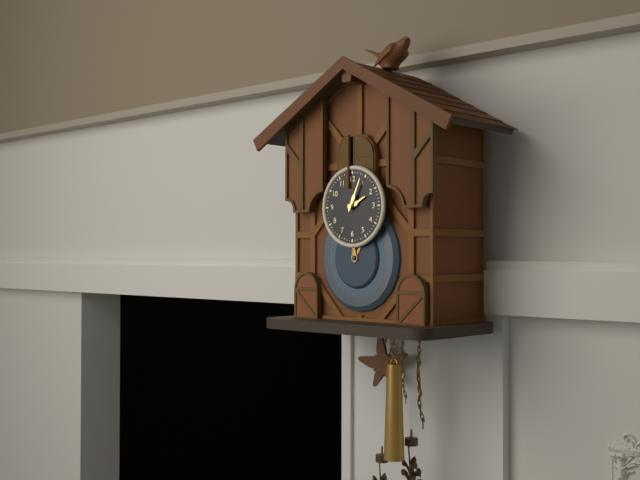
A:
2h04
